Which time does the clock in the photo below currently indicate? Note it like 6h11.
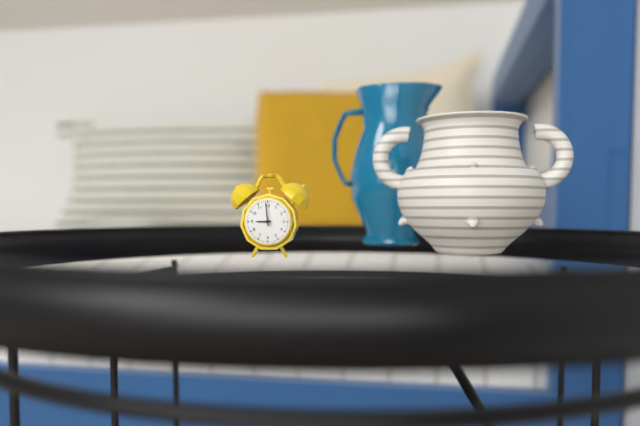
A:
8h59
